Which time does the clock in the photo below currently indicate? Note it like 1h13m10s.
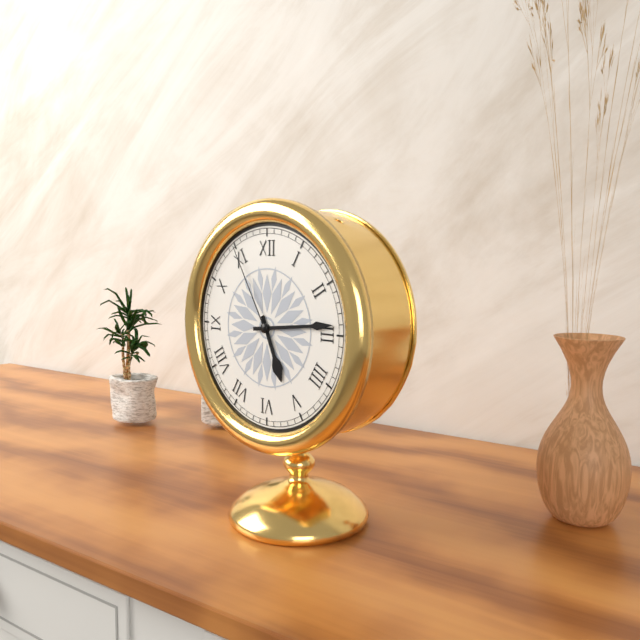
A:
5h14m55s
